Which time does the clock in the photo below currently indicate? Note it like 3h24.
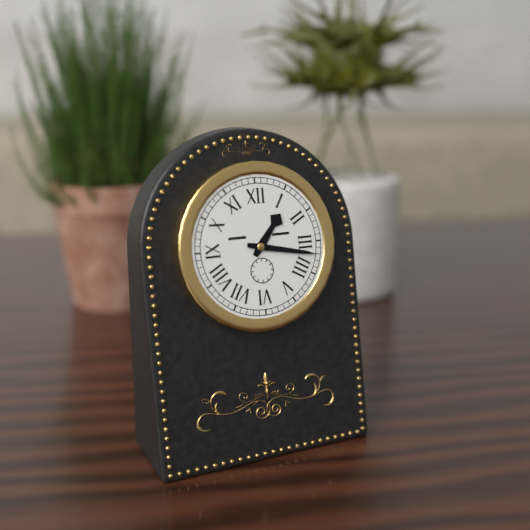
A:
1h17
